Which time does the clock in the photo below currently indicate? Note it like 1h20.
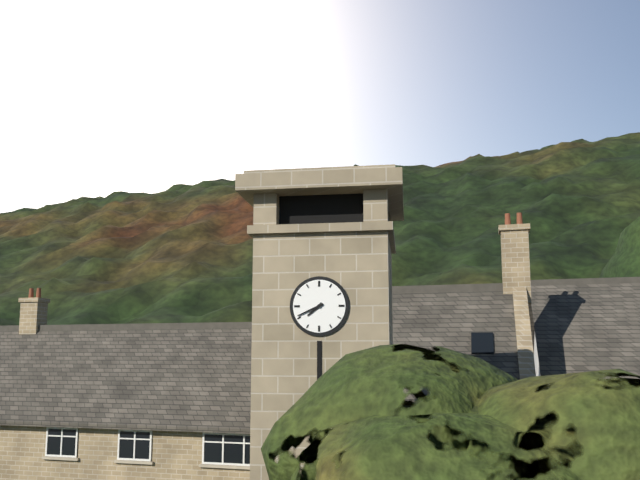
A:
7h41
